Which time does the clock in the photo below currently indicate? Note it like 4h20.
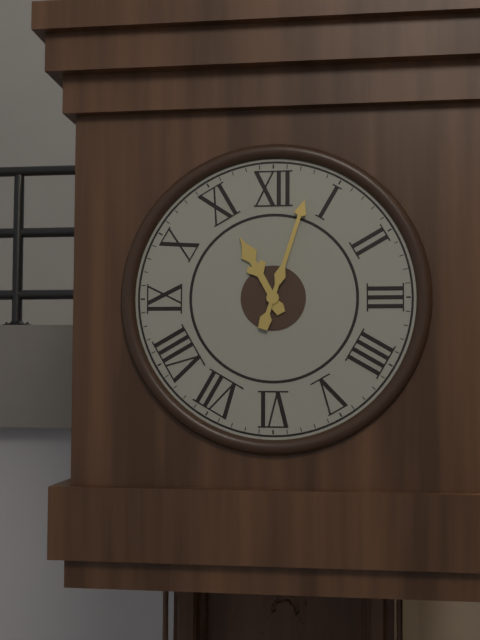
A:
11h03
